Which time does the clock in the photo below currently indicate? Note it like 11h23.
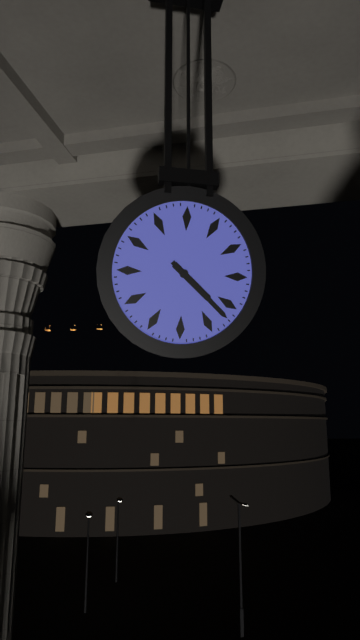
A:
4h22
